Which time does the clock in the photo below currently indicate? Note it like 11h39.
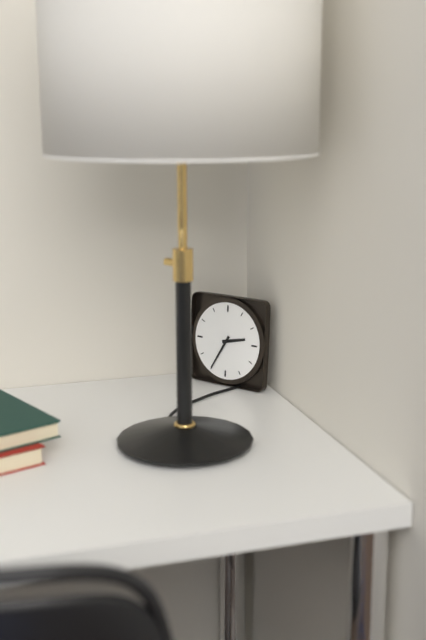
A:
2h35
